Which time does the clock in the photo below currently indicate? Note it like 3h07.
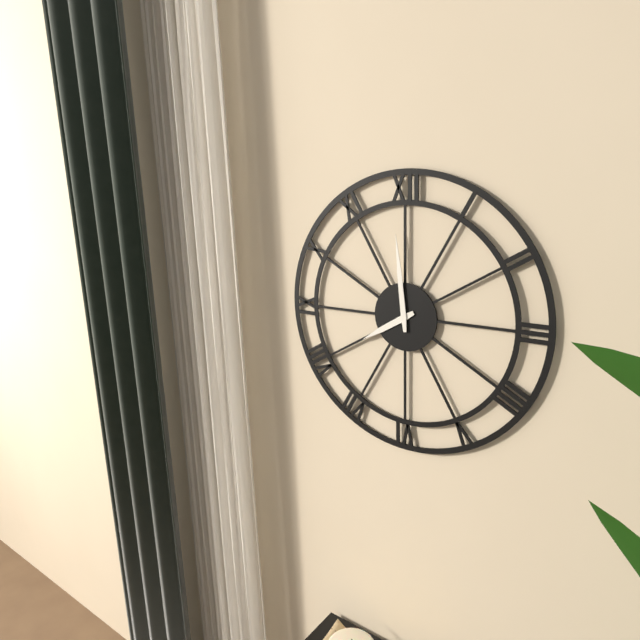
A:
7h59
